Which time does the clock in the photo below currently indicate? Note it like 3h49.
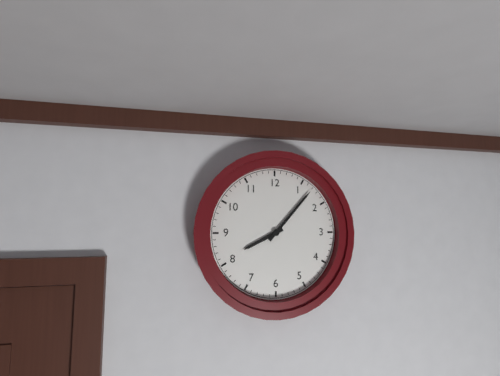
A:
8h07
